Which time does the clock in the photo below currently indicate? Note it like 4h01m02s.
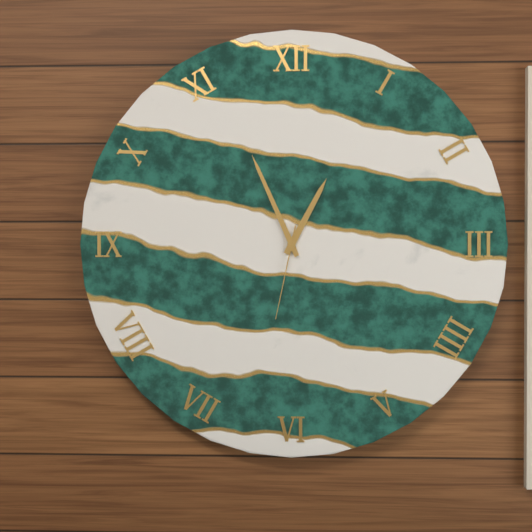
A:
12h56m32s
